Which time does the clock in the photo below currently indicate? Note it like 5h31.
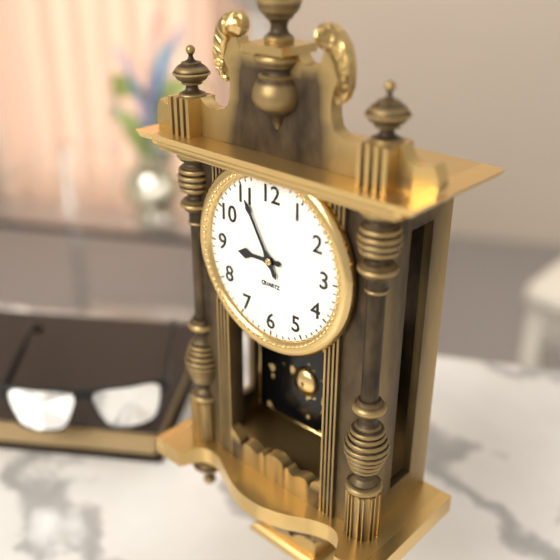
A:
8h55
